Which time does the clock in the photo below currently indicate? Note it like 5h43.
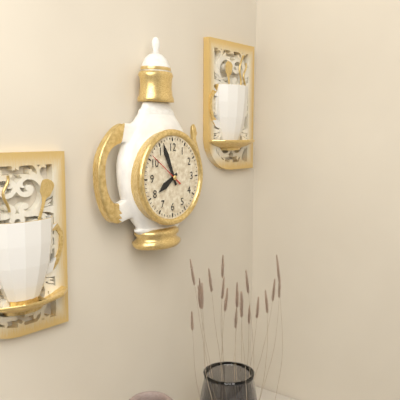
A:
7h56
